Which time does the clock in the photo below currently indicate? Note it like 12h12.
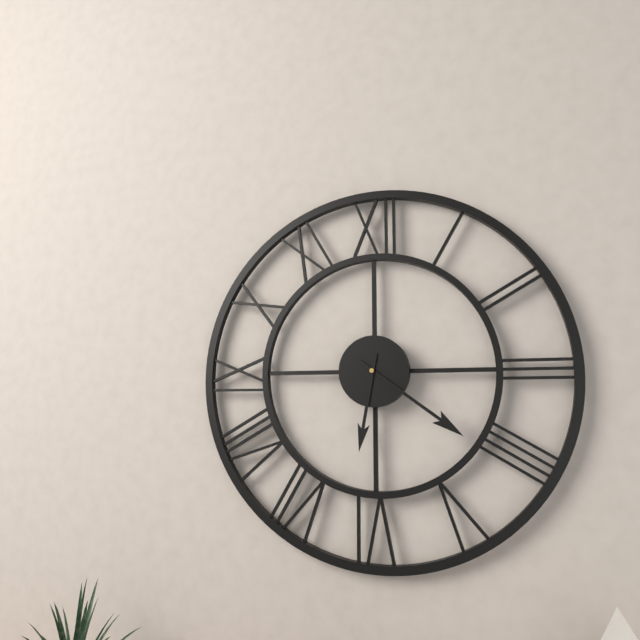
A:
6h21
